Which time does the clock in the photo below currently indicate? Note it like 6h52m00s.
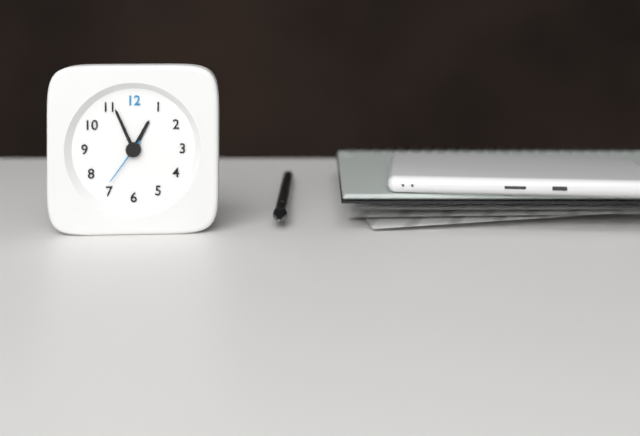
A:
12h56m36s
